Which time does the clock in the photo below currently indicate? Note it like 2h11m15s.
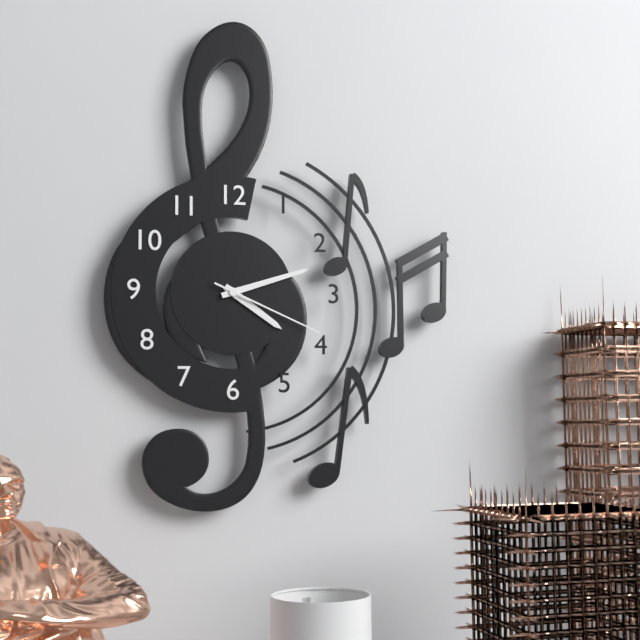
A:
4h12m19s
